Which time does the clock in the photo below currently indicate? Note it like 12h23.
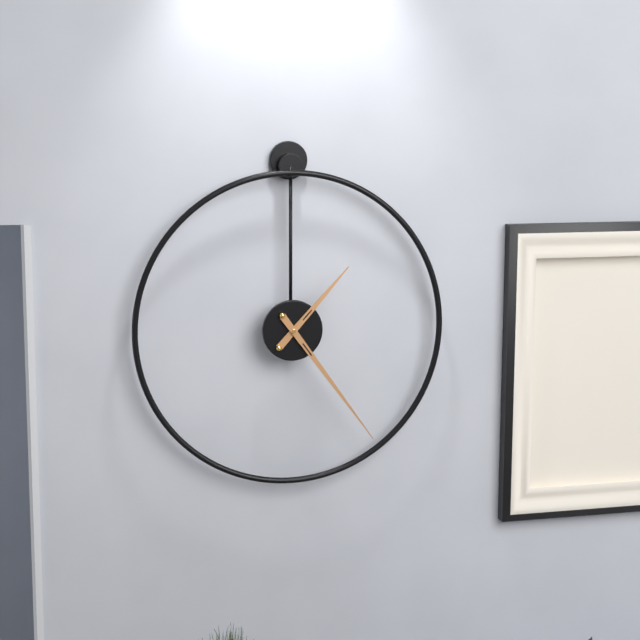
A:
1h24
